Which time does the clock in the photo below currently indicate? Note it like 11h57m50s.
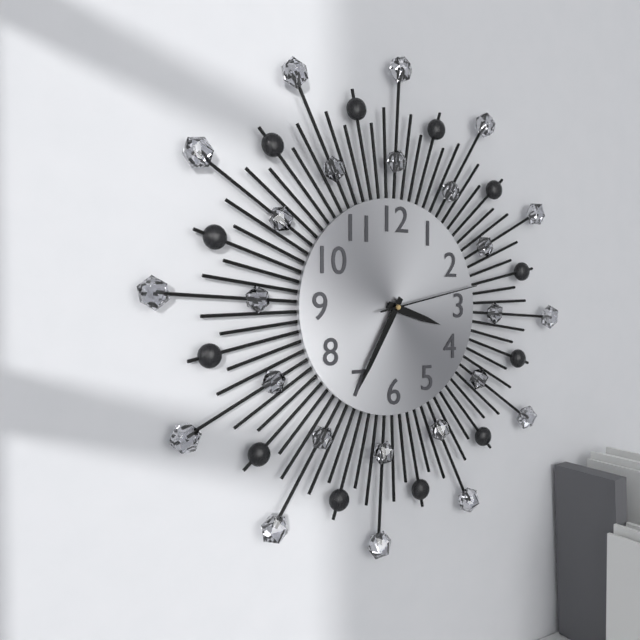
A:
3h35m13s
